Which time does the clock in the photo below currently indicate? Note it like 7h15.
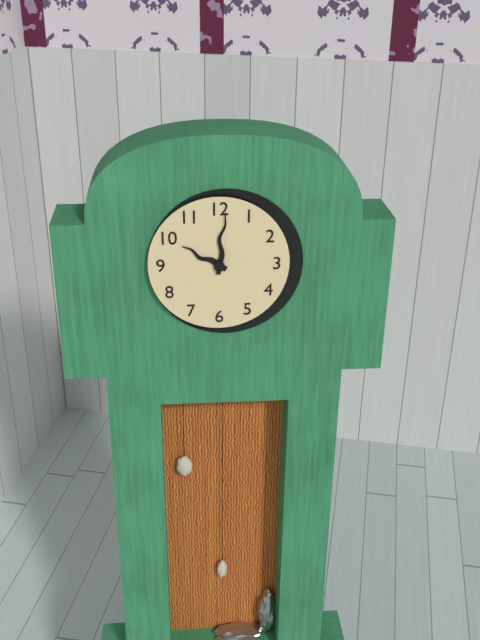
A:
10h01
